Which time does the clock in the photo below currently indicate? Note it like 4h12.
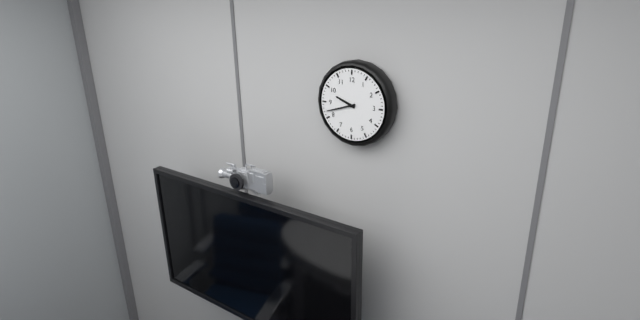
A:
9h42
